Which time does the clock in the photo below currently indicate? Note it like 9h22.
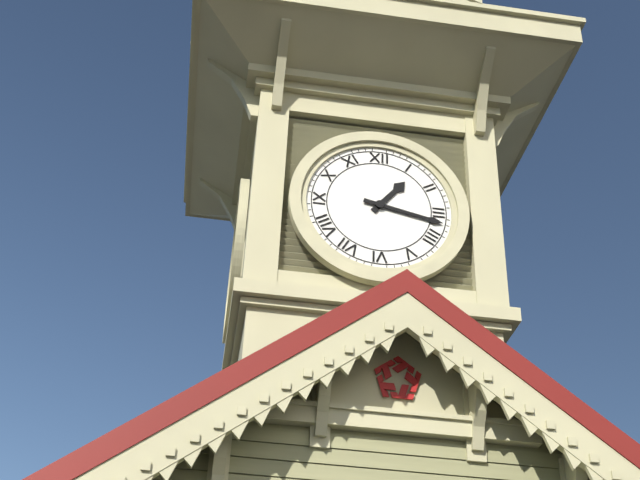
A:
1h17
